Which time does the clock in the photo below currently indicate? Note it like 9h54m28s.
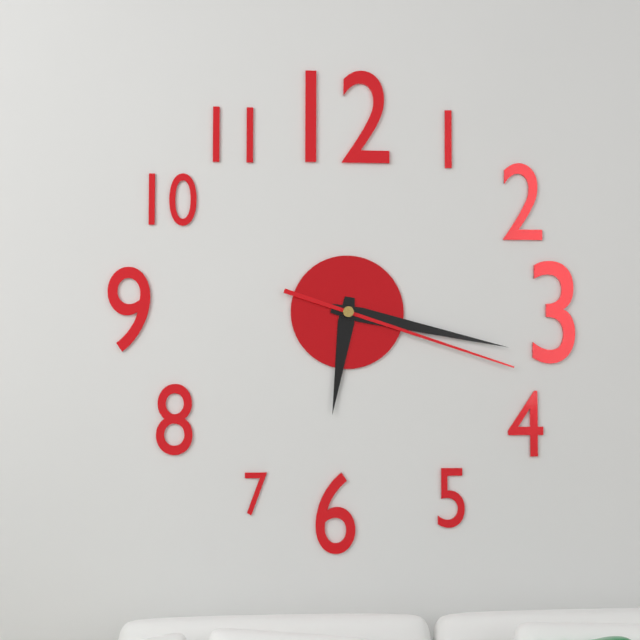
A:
6h17m18s
